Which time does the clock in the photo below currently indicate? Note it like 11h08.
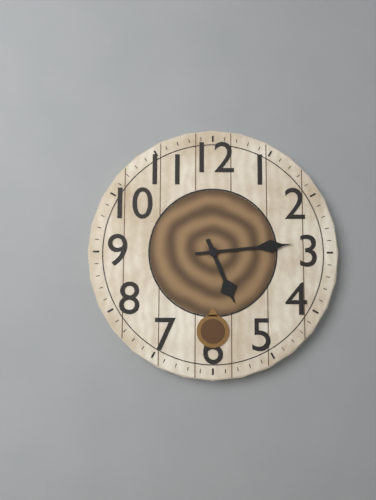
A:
5h14
